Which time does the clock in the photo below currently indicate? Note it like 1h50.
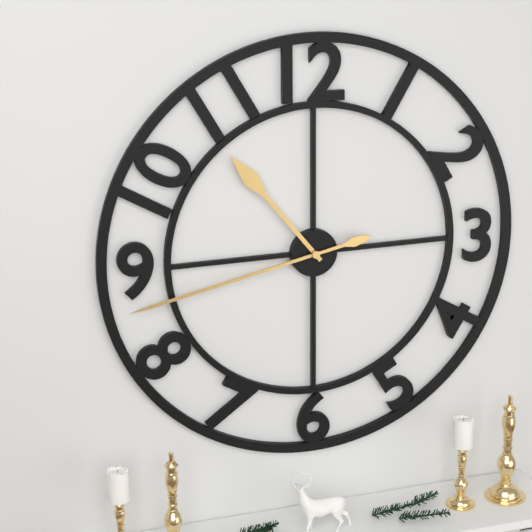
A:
10h43
